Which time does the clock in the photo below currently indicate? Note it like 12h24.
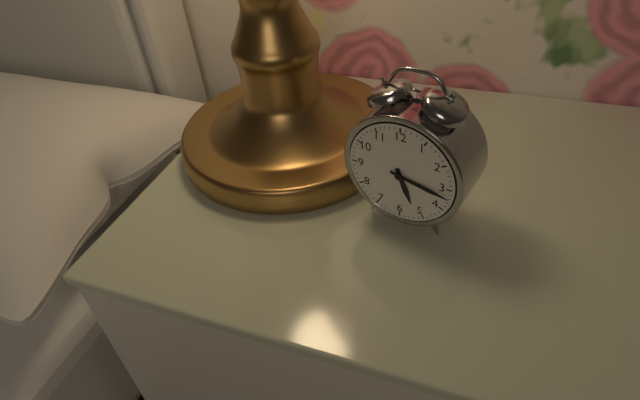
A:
5h17
